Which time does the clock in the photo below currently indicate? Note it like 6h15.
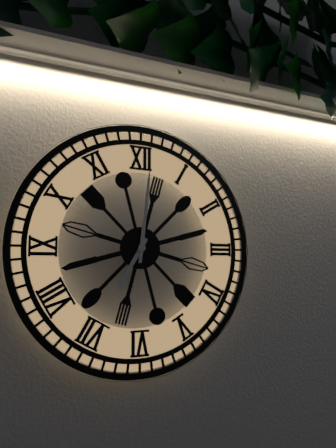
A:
7h01
